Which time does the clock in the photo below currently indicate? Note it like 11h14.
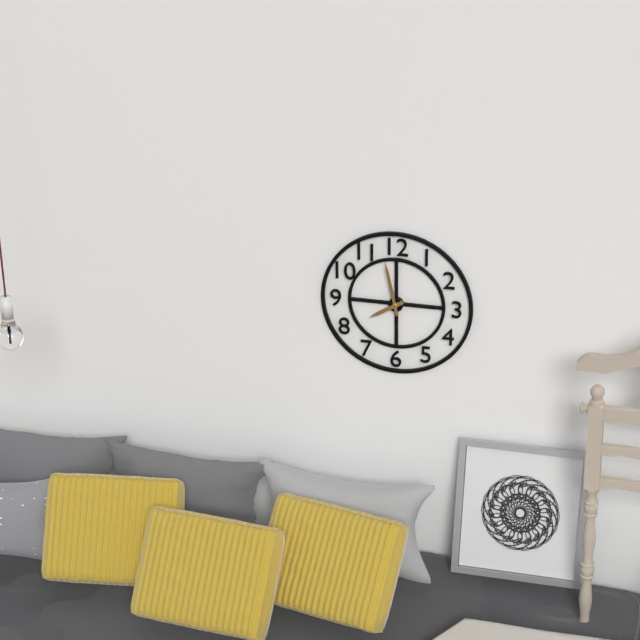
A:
7h58
